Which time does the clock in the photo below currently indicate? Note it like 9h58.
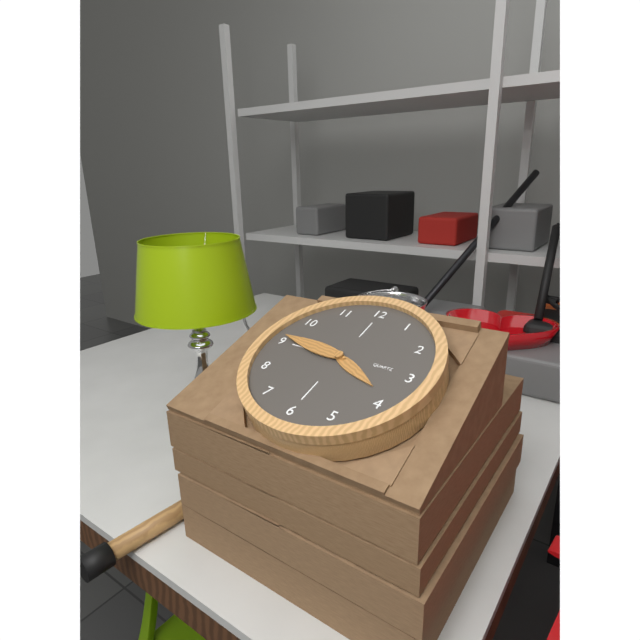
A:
3h46
